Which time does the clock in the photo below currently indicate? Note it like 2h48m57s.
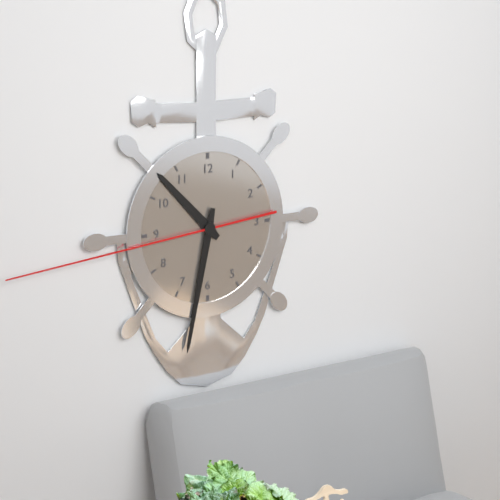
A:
10h32m44s
